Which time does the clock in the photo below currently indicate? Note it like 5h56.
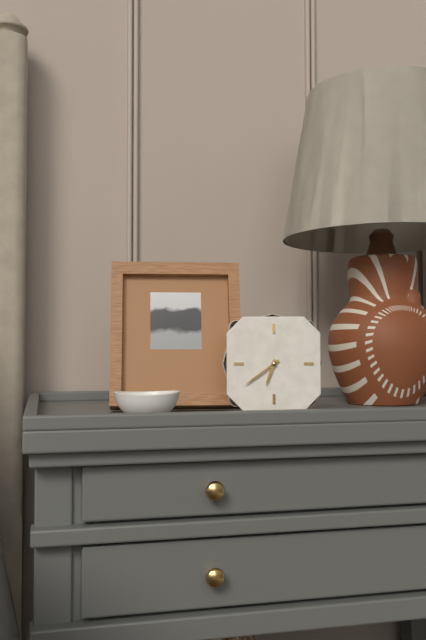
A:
6h39
